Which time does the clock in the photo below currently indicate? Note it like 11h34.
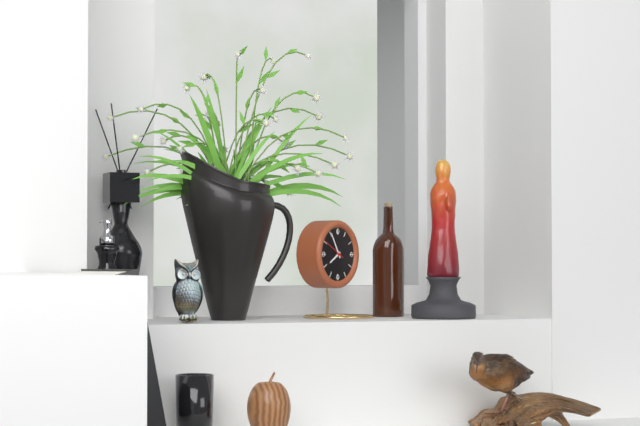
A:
7h55
